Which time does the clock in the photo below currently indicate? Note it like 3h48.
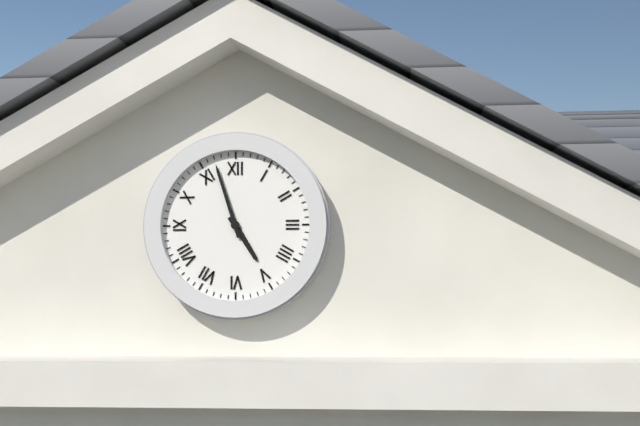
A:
4h57
